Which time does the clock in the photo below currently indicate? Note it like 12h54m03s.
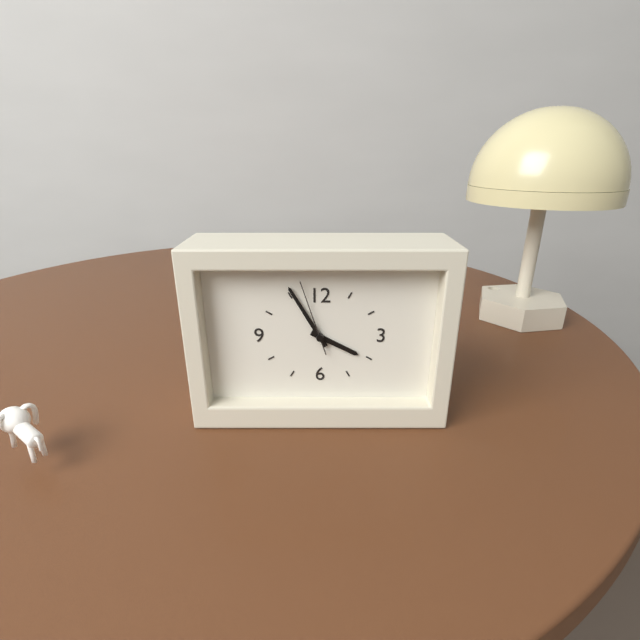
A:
3h55m57s
